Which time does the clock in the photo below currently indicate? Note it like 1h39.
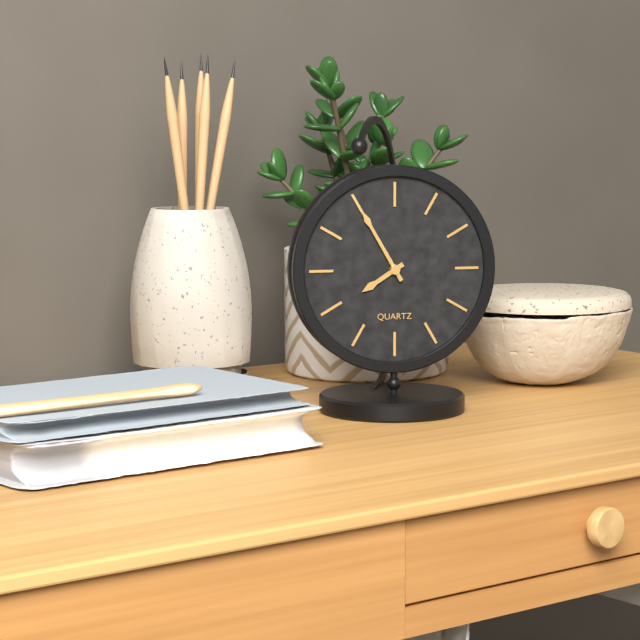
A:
7h55
